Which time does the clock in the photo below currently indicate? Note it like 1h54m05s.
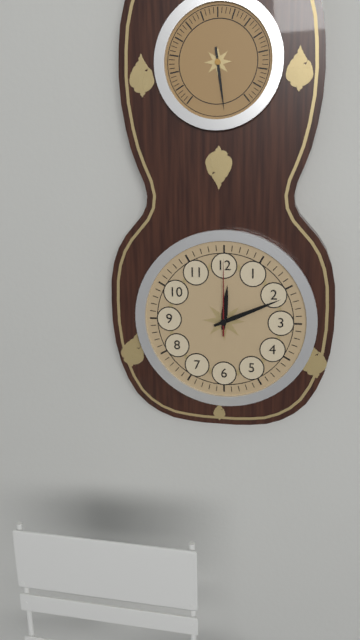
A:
12h11m00s
